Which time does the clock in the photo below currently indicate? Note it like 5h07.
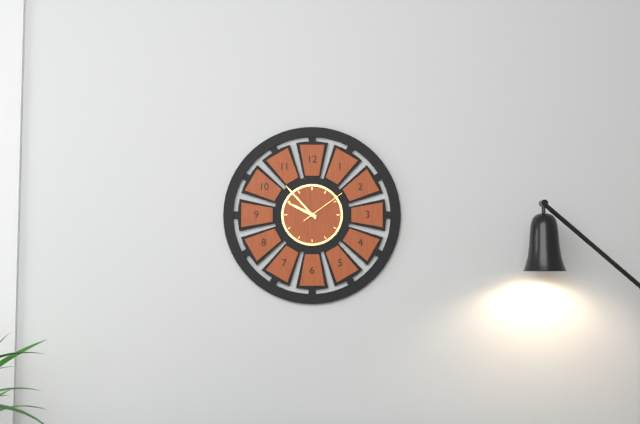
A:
9h53
